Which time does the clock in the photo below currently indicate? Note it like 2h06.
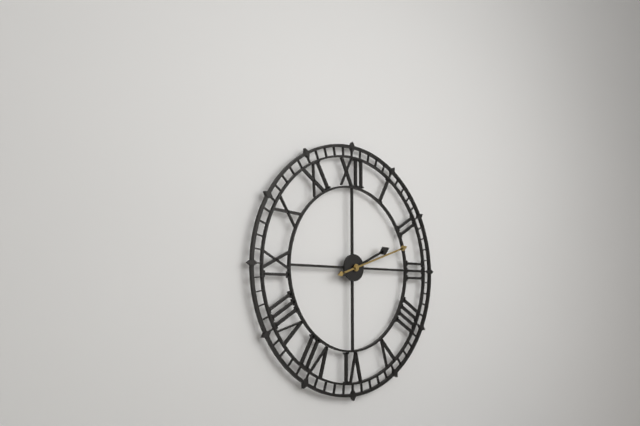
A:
2h12
